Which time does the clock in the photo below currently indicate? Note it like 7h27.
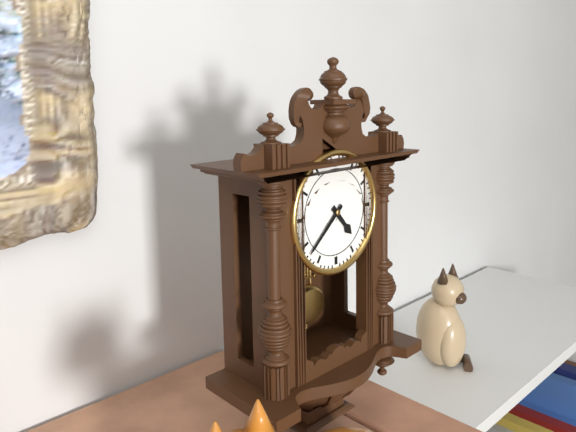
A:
4h38
